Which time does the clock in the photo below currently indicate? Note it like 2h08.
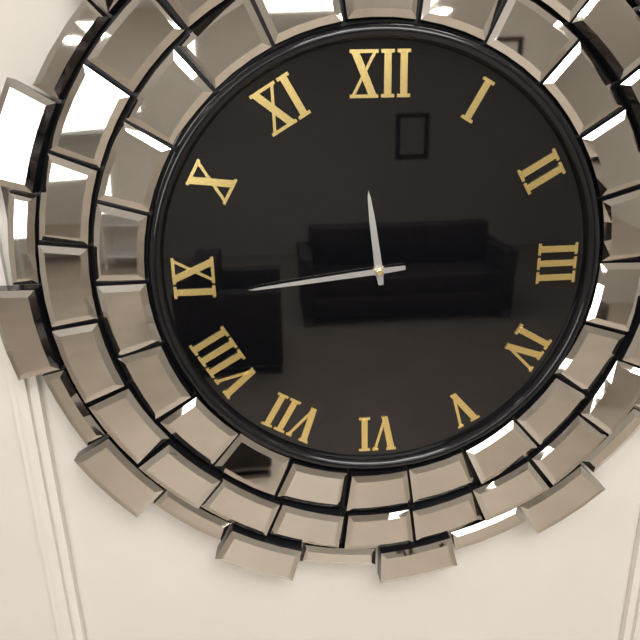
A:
11h44
